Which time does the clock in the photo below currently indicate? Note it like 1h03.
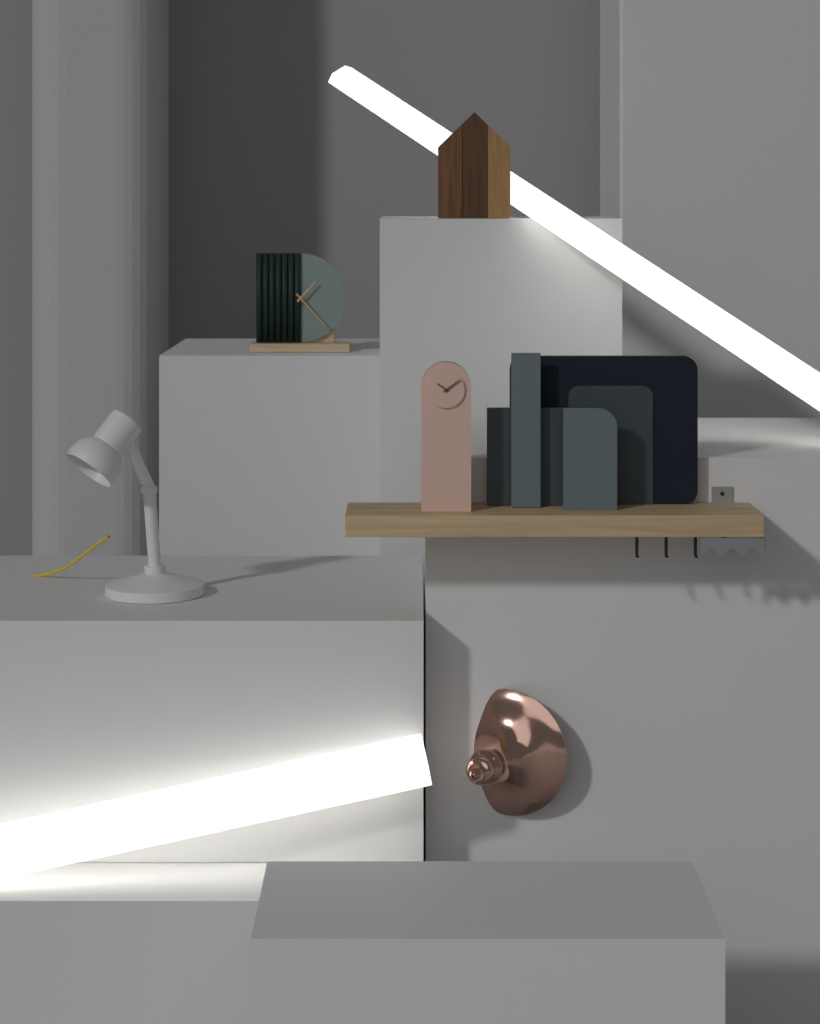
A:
1h23
